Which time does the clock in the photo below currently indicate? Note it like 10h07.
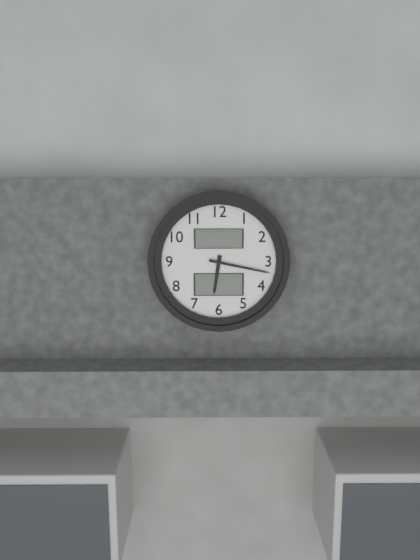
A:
6h17
